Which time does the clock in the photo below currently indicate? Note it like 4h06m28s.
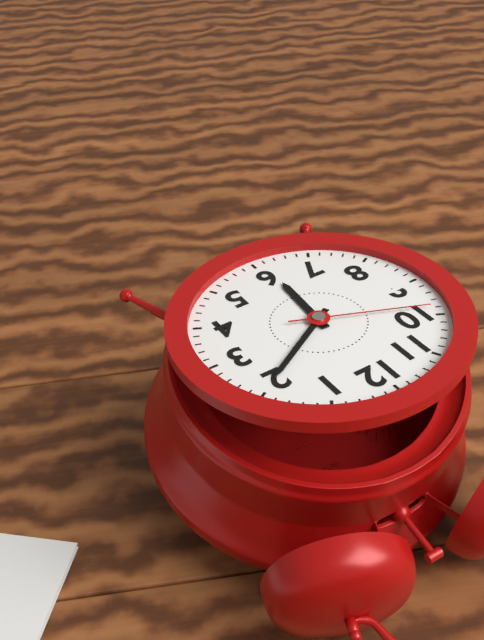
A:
6h10m49s
